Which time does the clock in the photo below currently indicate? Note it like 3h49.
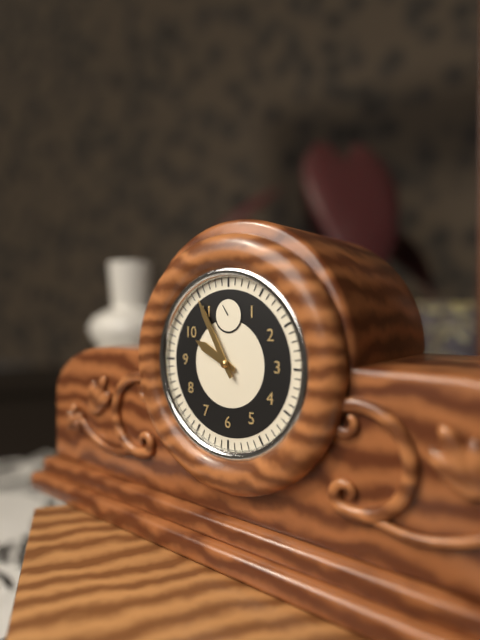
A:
9h55
